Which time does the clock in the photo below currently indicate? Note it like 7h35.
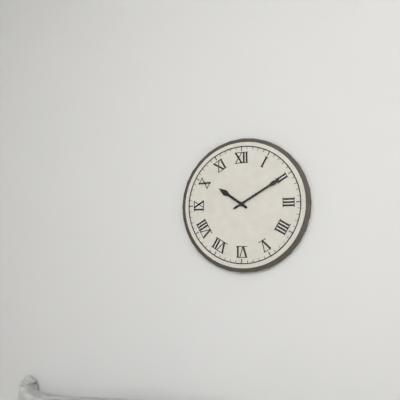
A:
10h10
